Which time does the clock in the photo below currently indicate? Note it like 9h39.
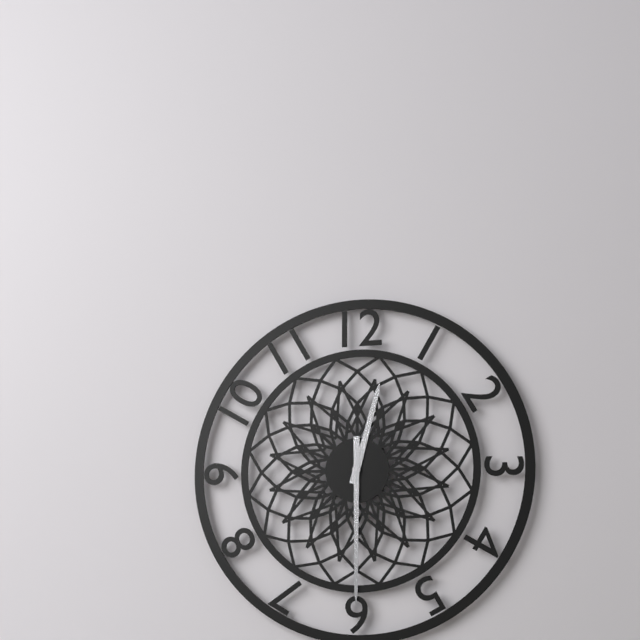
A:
12h30
